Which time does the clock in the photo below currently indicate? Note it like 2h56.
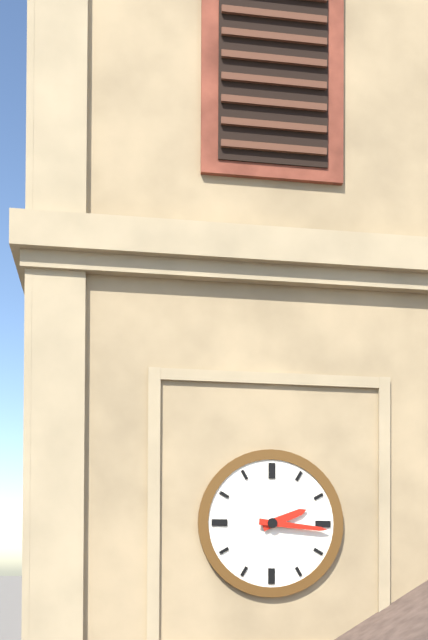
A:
2h16
